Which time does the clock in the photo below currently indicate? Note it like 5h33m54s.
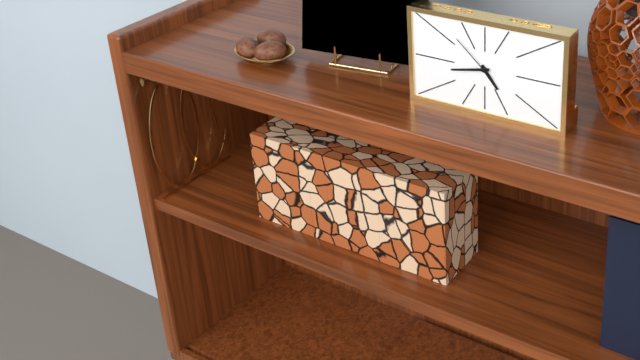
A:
4h43m52s
